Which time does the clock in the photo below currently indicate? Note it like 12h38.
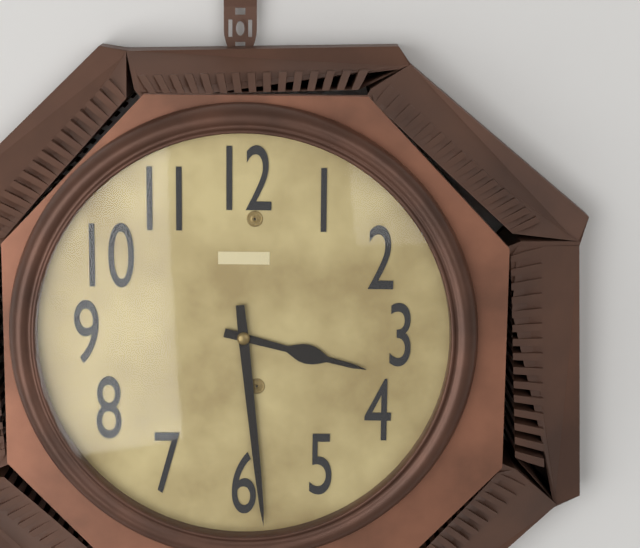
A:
3h29
